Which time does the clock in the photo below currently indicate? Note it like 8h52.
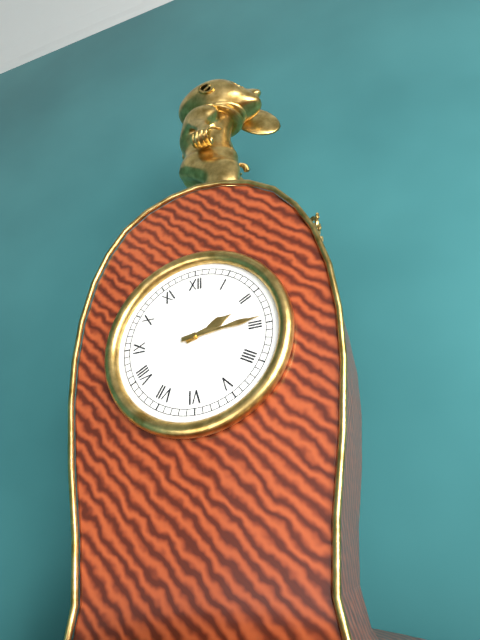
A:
2h14
